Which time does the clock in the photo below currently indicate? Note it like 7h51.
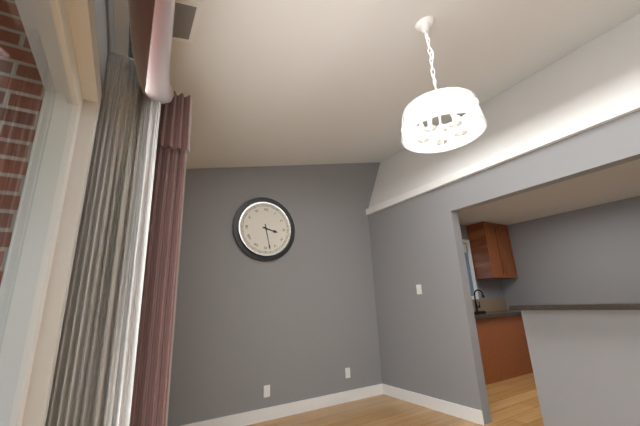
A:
3h28
